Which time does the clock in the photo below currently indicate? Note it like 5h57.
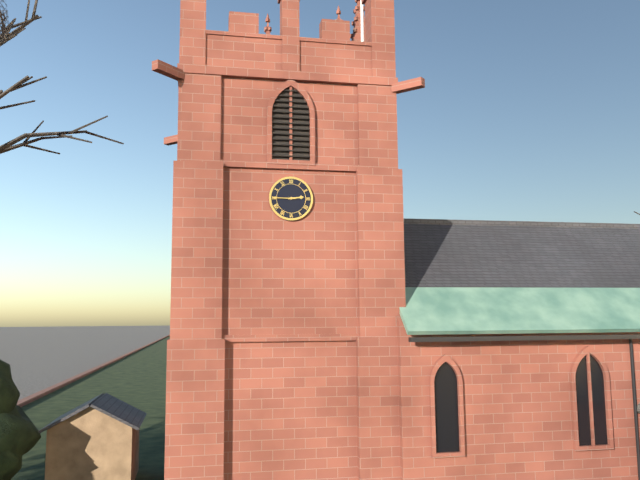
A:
2h45
